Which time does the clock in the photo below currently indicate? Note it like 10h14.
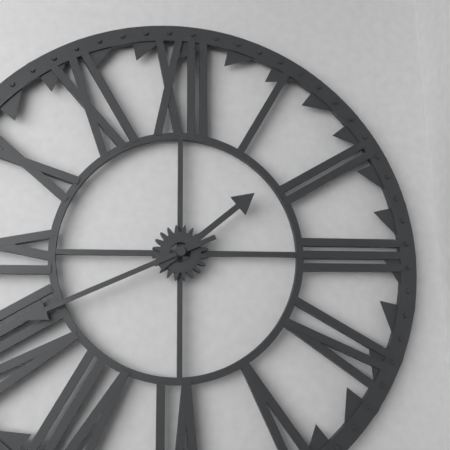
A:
1h41
